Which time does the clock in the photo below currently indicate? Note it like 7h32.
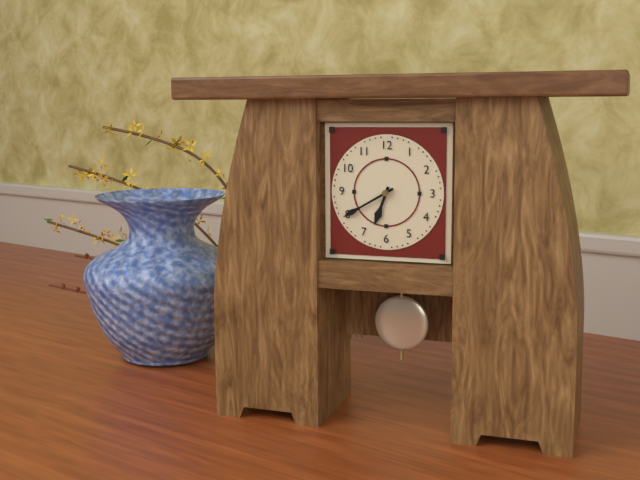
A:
6h40
